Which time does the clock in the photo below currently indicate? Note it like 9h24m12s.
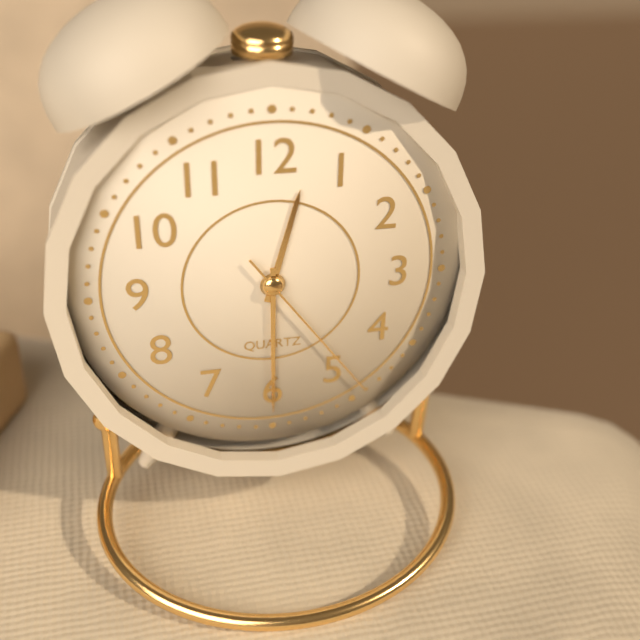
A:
12h30m24s
